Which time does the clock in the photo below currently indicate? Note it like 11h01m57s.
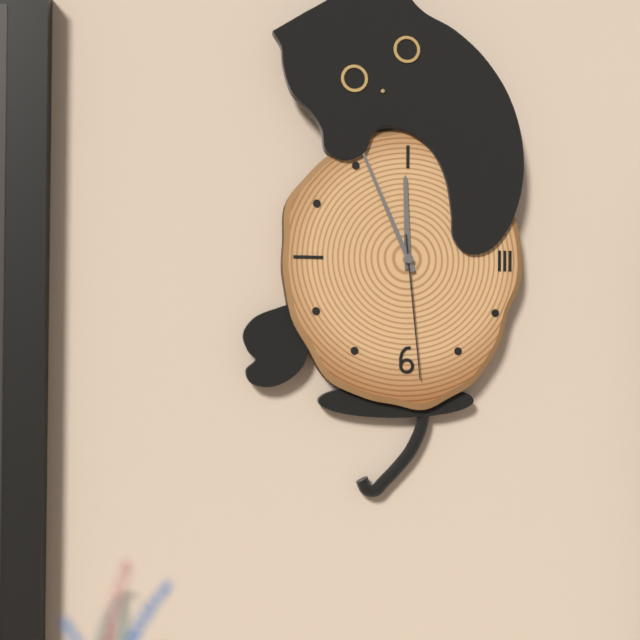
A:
11h56m29s
